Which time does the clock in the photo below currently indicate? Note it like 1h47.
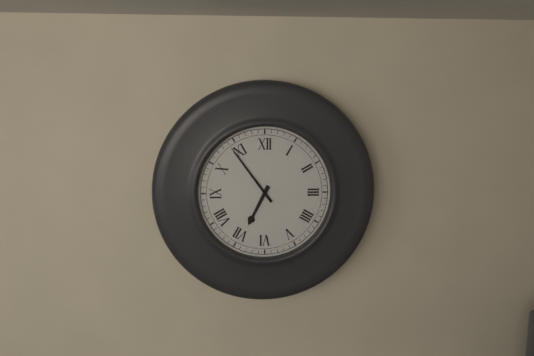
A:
6h54
